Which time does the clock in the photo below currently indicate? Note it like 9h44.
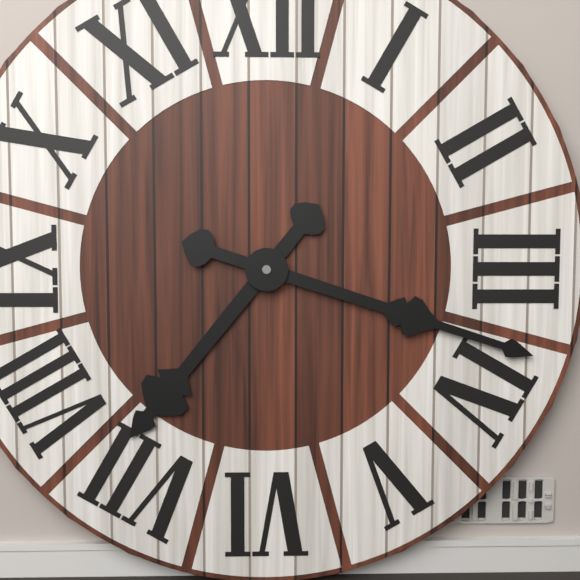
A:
7h18
